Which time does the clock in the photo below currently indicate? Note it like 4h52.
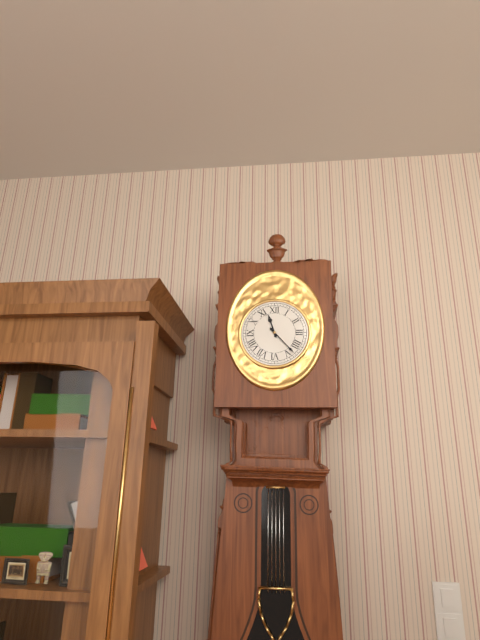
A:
11h23
